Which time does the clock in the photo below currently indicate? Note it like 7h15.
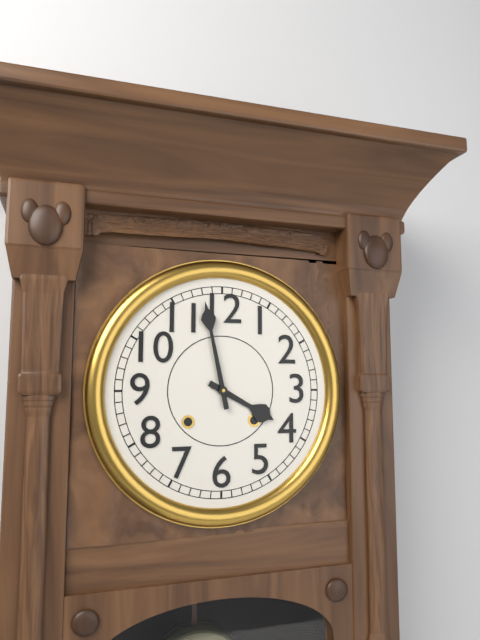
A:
3h58
